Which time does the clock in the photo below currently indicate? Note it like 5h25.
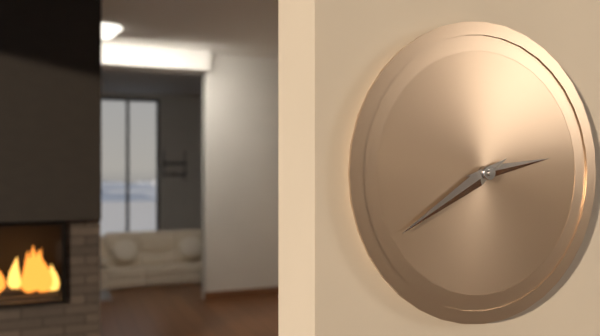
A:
2h40
